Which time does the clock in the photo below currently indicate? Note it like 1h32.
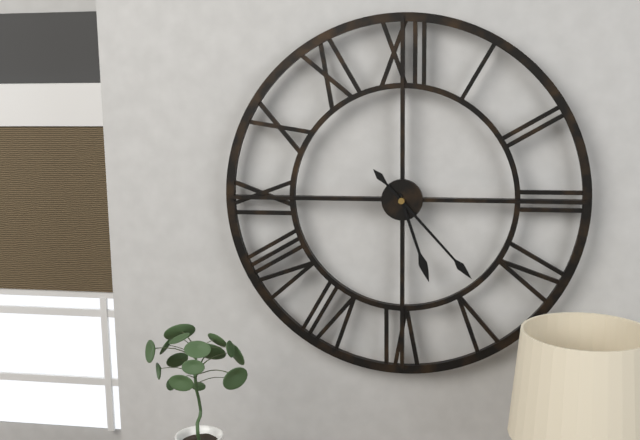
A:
5h23
